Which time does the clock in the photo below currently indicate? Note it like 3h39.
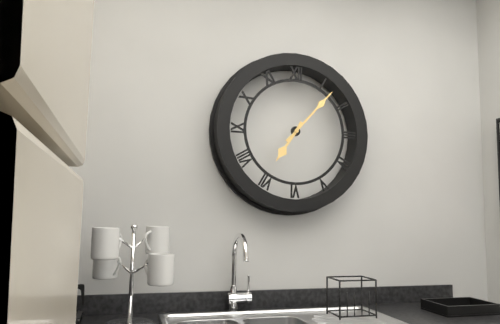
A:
7h07
